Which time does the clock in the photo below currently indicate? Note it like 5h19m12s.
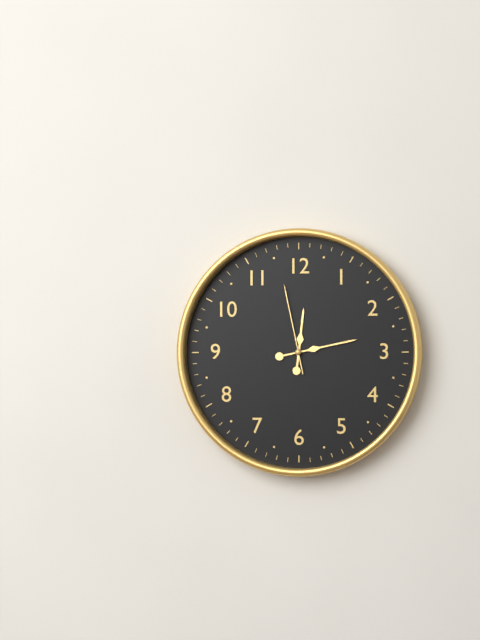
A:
12h13m58s
